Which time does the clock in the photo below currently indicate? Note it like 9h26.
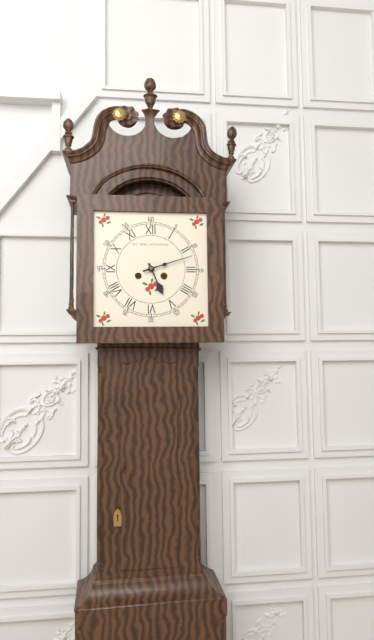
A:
5h12
